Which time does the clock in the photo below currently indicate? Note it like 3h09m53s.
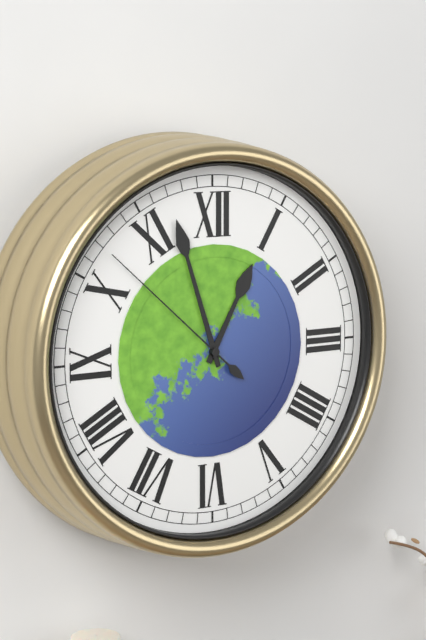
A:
12h57m52s
